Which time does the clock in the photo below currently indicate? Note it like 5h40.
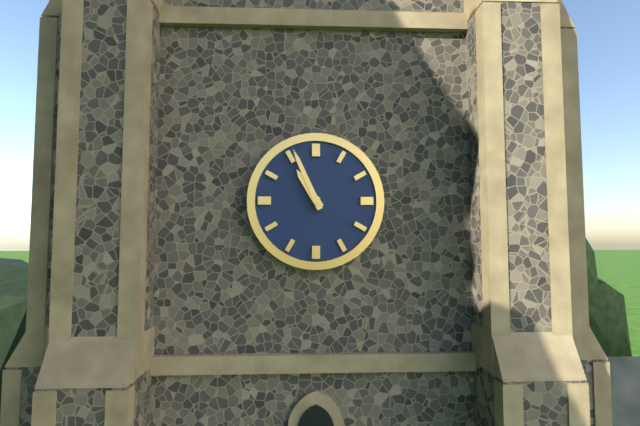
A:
10h56
